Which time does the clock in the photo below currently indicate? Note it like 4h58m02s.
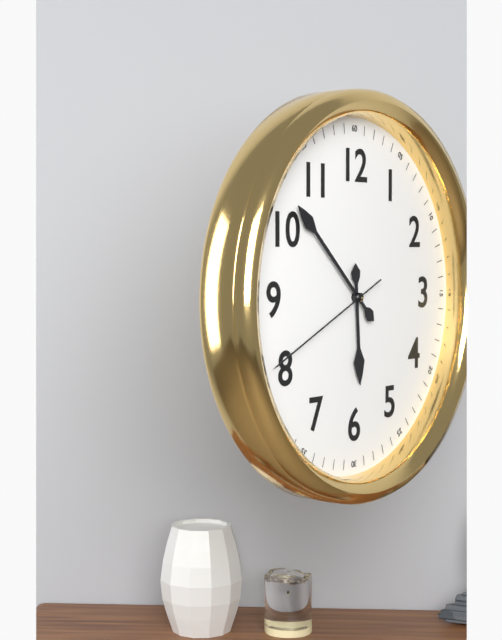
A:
5h52m41s
